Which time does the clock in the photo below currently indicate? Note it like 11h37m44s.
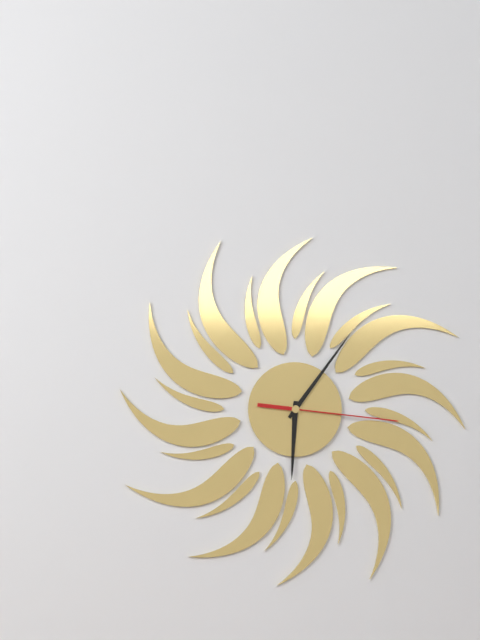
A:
6h06m16s
